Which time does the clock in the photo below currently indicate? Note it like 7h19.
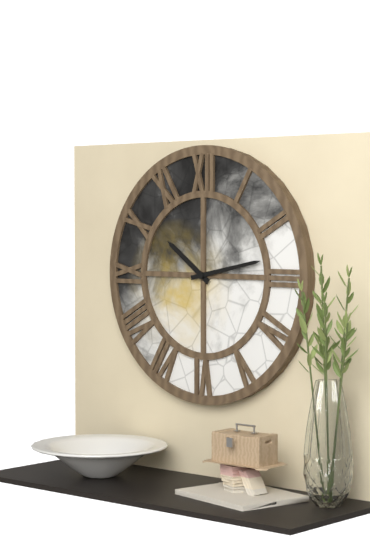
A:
10h13
